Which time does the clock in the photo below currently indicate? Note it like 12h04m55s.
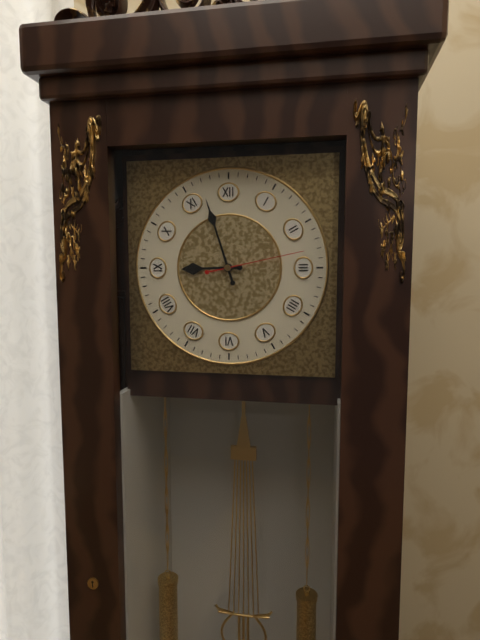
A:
8h57m13s
